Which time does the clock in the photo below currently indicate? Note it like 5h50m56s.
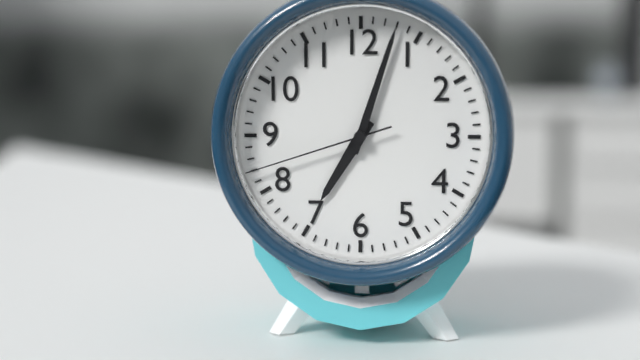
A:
7h03m42s
